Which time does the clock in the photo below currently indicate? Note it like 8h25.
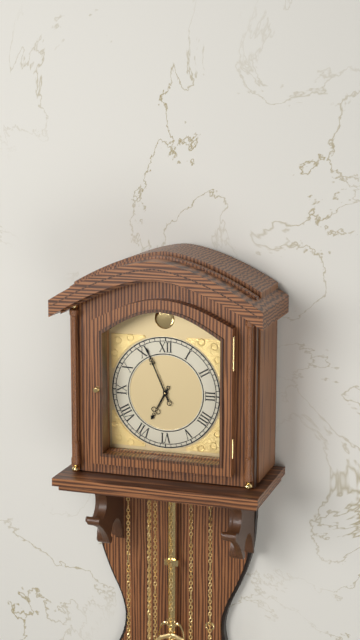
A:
6h56
